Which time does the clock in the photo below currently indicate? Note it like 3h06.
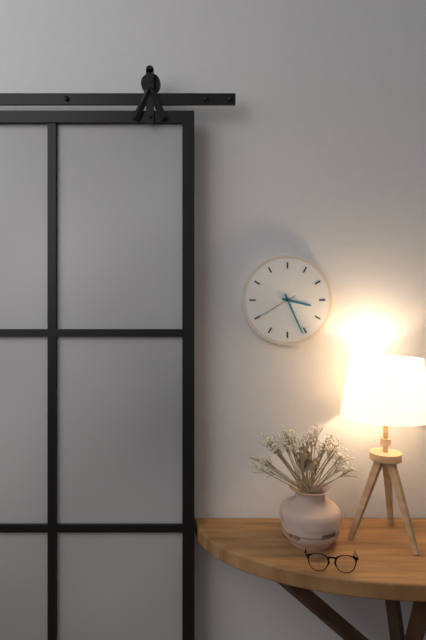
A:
3h26
